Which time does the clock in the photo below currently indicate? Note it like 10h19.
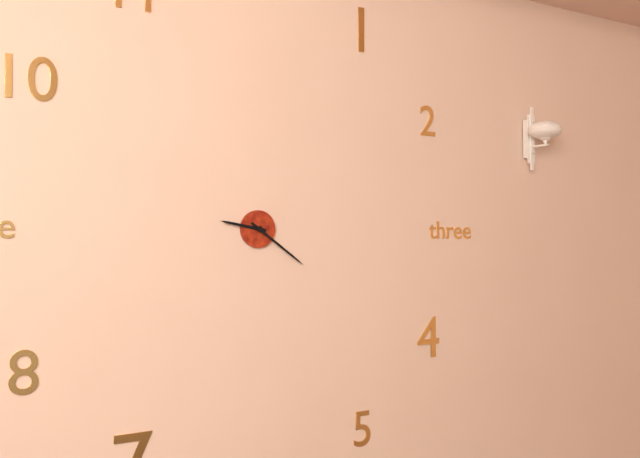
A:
9h21
